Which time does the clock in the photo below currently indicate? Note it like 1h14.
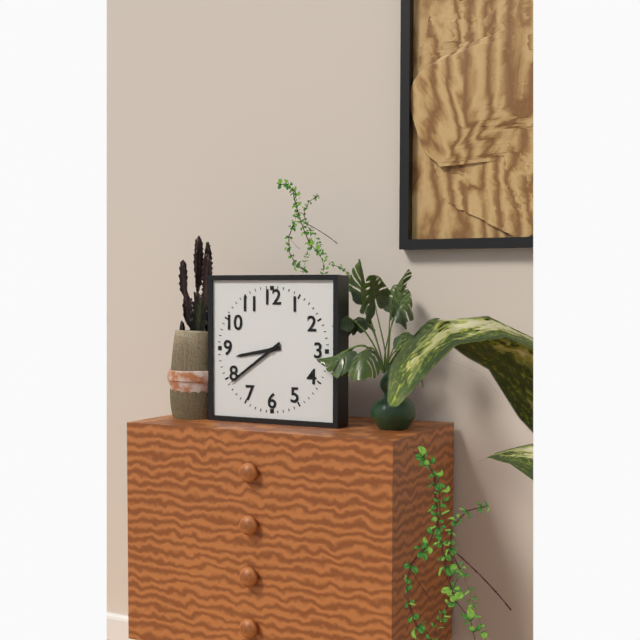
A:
8h39
